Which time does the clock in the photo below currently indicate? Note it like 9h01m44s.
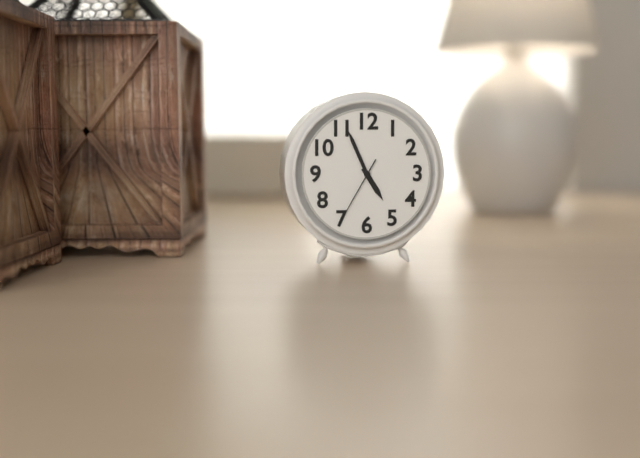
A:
4h56m35s
